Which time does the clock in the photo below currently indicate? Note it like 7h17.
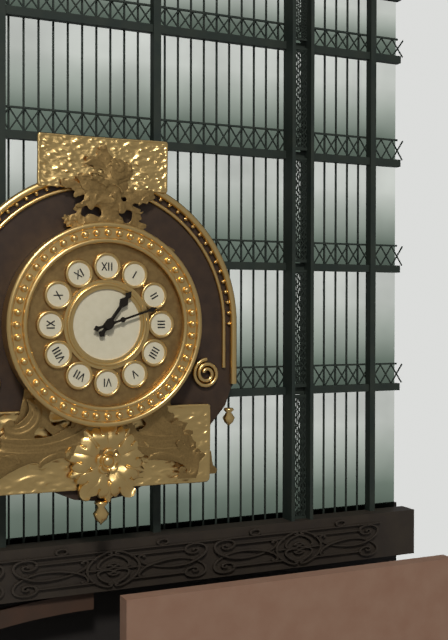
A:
1h12
